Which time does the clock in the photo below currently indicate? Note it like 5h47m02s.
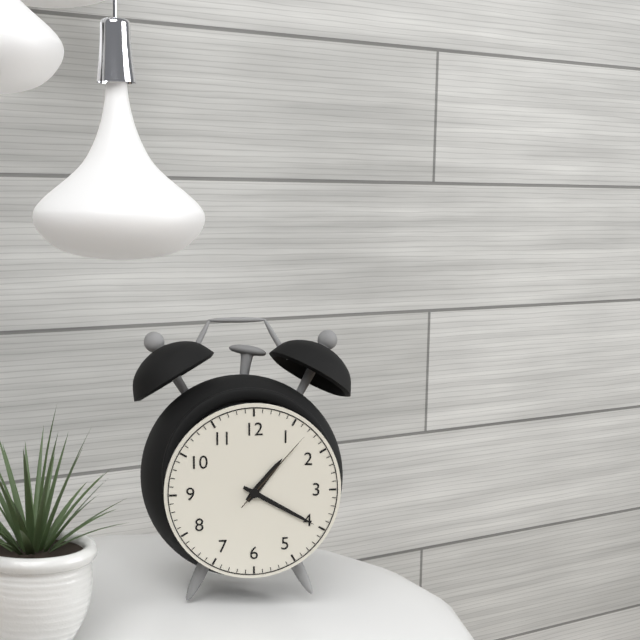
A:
1h20m07s
